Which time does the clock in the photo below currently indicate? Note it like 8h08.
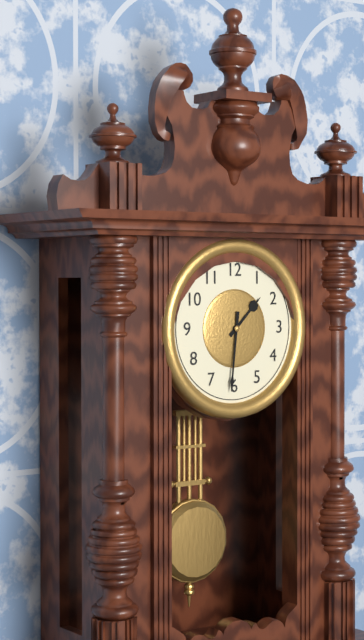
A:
1h31
